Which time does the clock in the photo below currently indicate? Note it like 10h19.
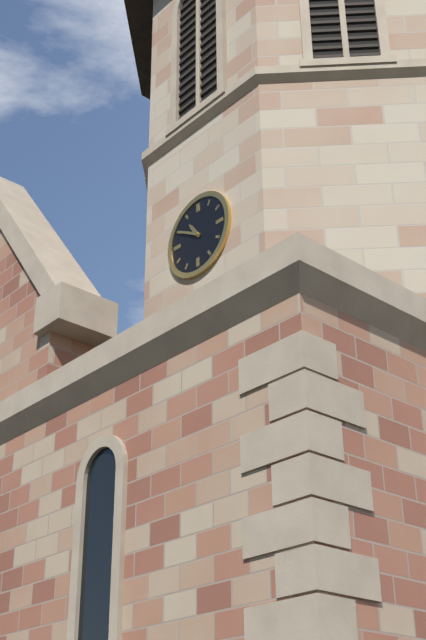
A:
10h50
